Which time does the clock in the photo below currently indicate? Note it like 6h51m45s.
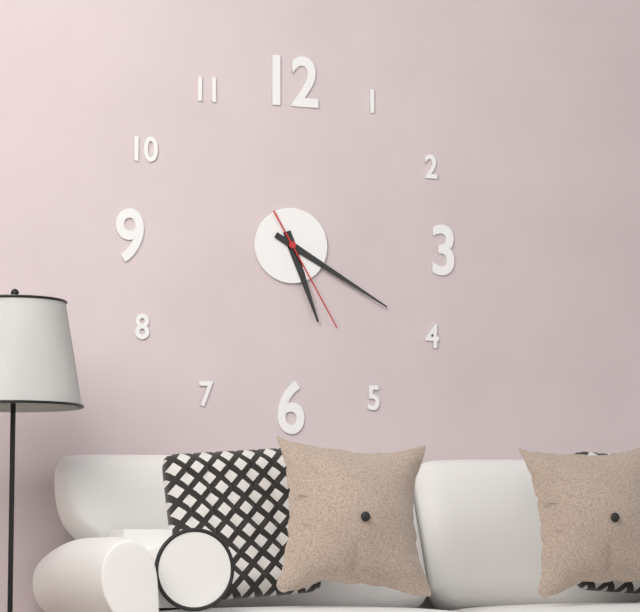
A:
5h20m25s
